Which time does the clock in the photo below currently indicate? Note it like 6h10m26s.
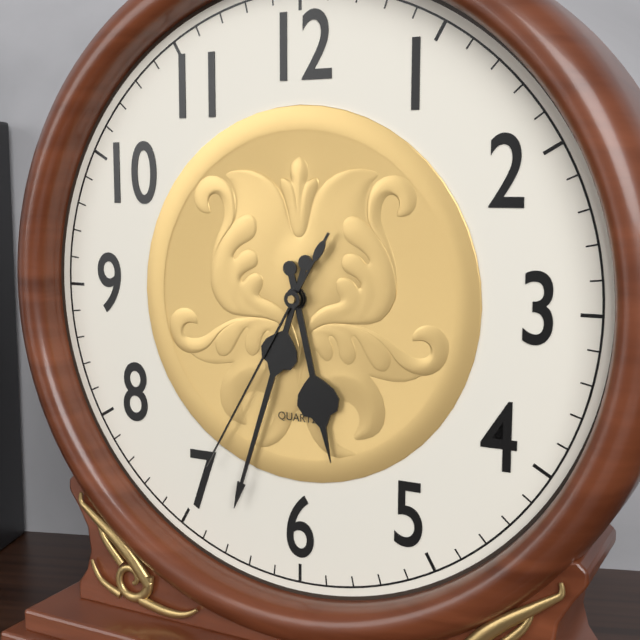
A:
5h33m35s
